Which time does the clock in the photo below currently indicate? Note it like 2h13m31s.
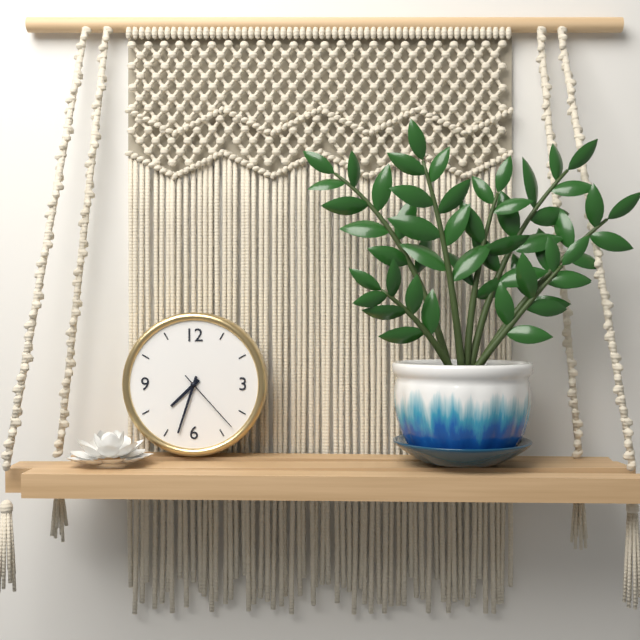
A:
7h33m23s
